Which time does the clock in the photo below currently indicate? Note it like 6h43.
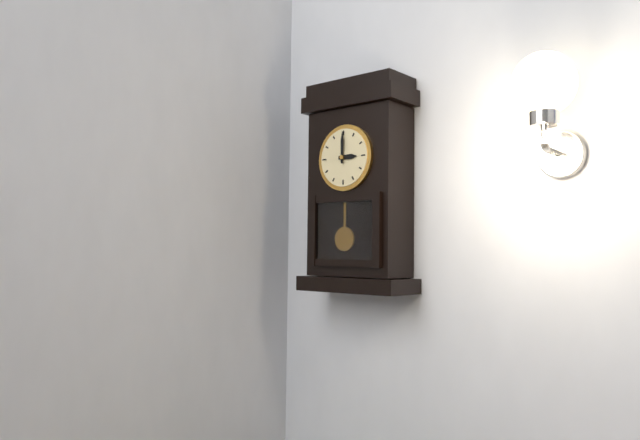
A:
3h00
